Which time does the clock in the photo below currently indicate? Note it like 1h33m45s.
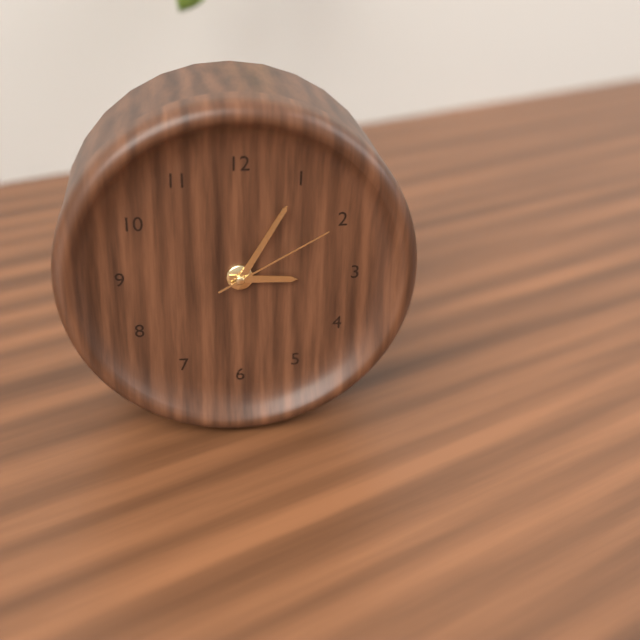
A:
3h05m10s
